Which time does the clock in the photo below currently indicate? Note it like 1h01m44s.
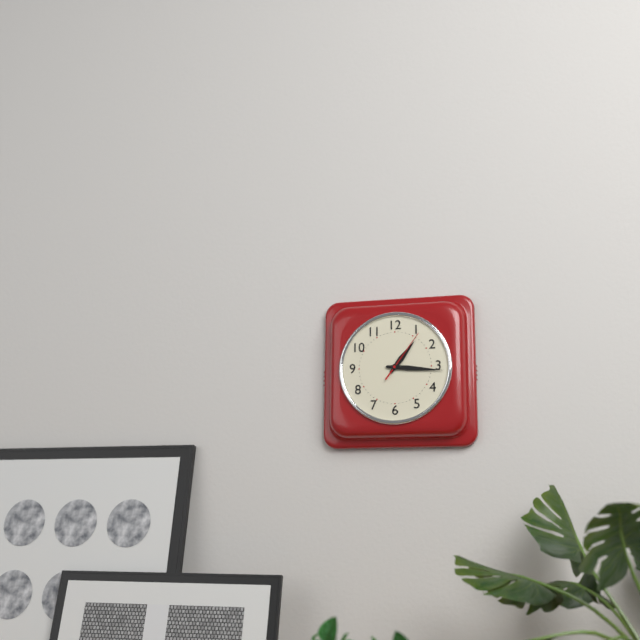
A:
1h16m06s
